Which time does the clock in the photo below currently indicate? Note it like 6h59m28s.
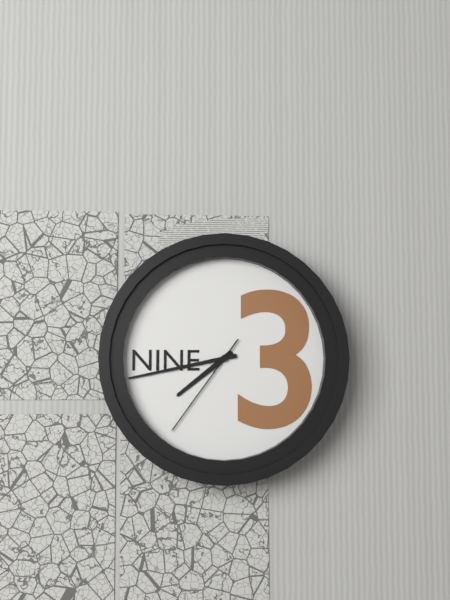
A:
7h43m36s
